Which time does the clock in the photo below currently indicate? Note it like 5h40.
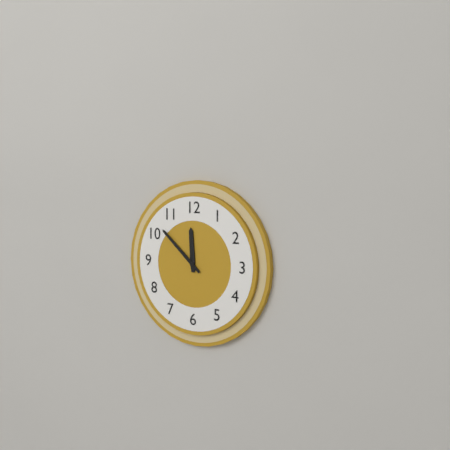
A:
11h52
